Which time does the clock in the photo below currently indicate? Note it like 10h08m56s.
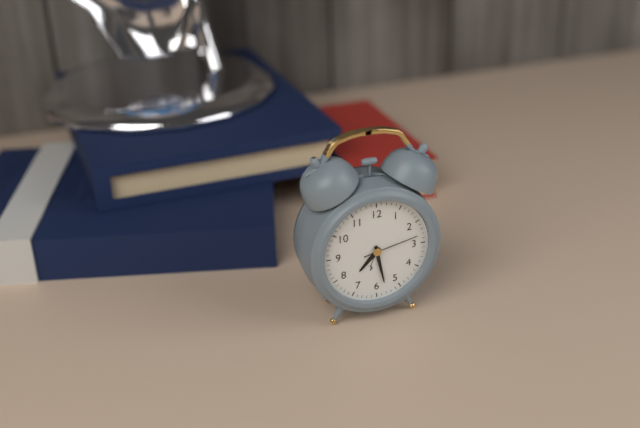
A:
7h28m13s
